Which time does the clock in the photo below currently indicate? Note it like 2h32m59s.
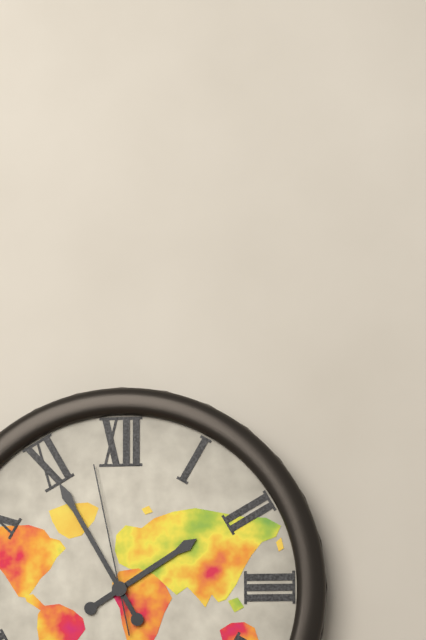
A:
1h55m58s
